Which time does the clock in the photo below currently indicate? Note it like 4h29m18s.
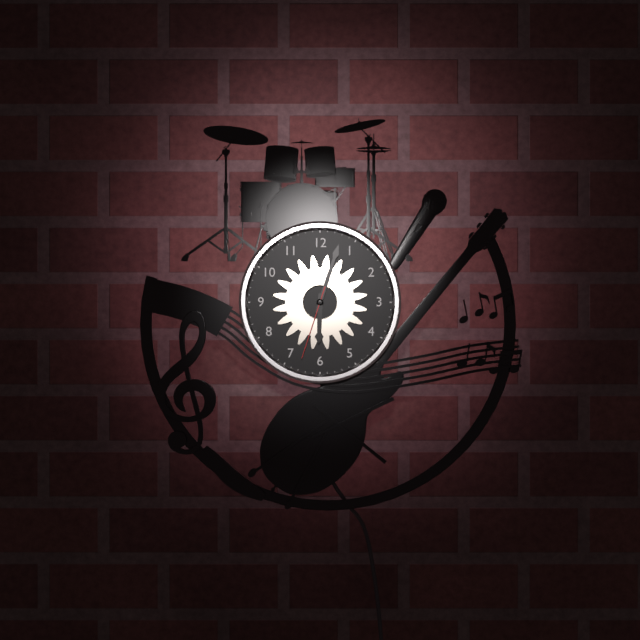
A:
6h03m33s
